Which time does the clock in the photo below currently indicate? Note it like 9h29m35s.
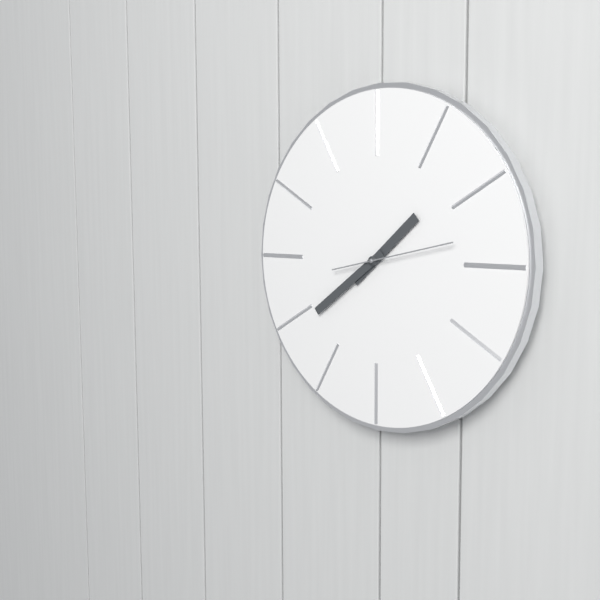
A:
1h39m13s
